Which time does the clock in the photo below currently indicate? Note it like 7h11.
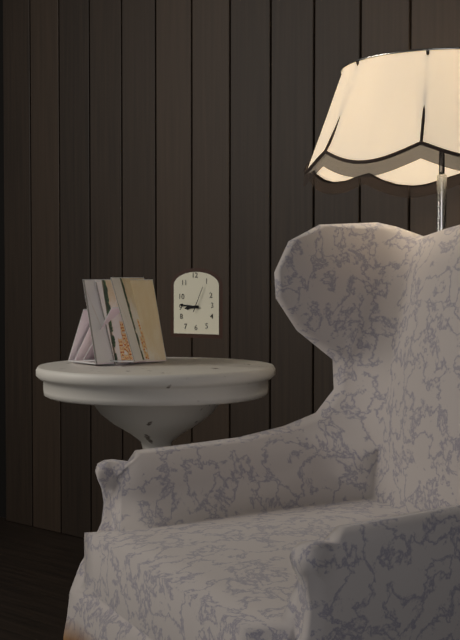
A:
8h46
